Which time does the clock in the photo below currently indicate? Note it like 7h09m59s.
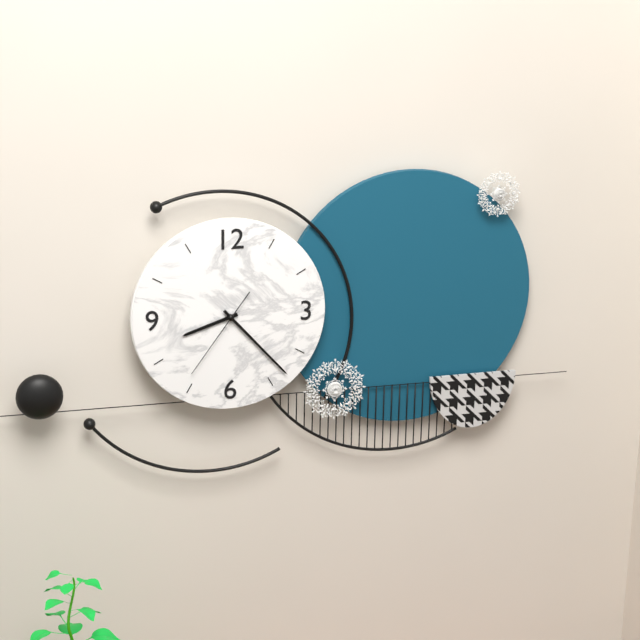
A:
8h23m36s
